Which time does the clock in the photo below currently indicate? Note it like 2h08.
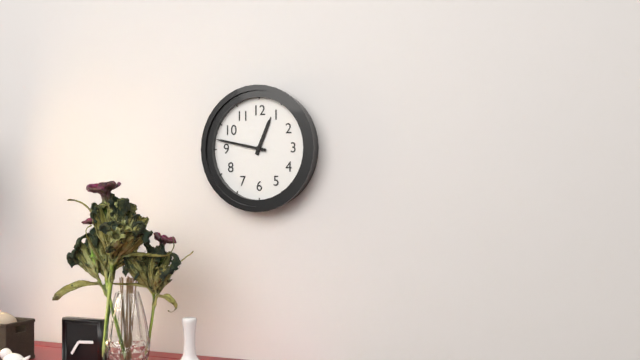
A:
12h47
